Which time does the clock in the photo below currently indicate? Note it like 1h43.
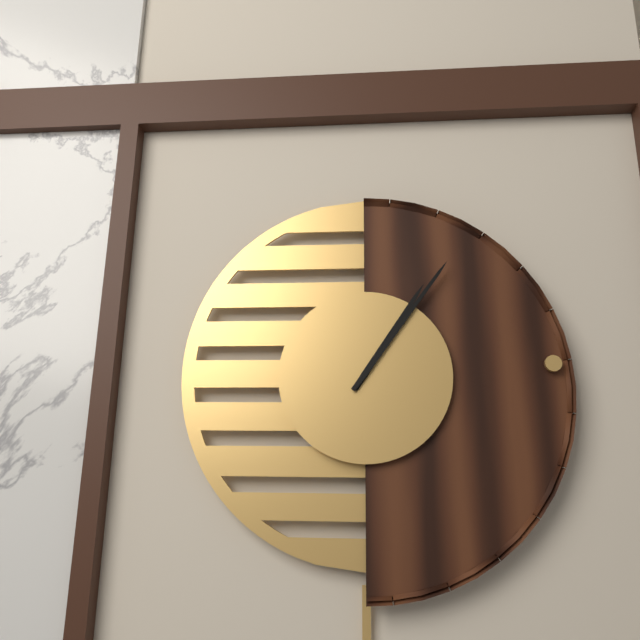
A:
1h06
